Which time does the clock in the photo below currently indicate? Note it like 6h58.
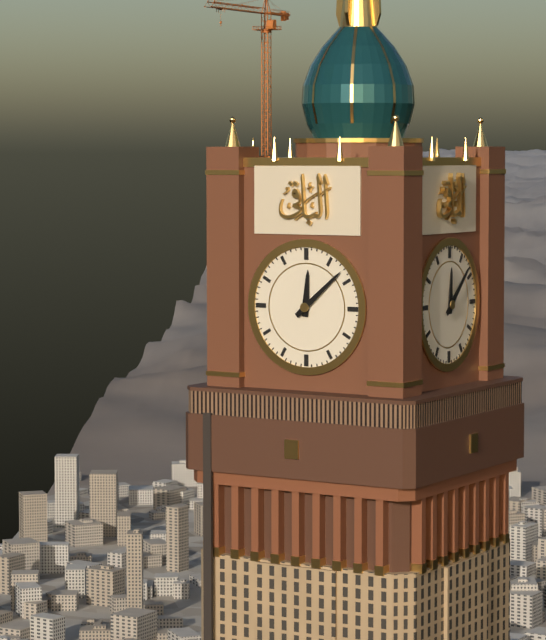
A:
12h08
